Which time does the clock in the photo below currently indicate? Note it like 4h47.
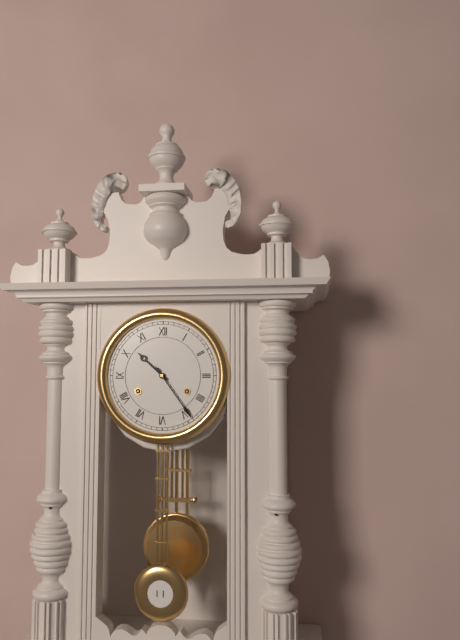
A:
10h24
